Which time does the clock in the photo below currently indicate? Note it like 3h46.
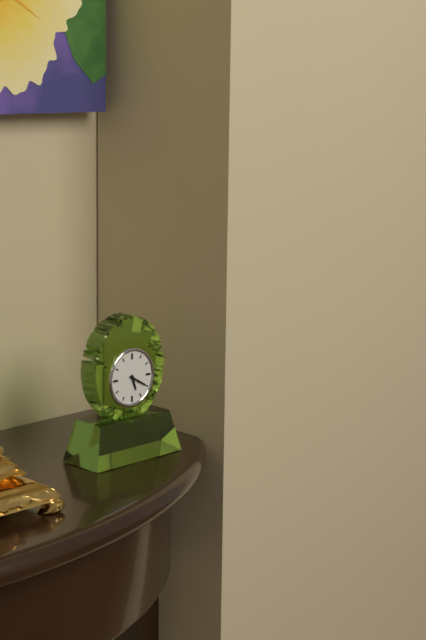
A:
5h20
